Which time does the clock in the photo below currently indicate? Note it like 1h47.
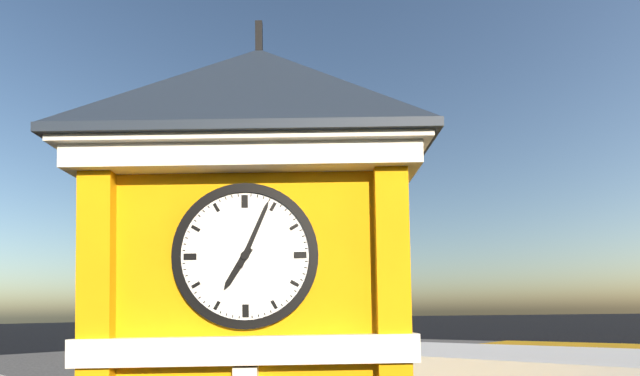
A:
7h04
